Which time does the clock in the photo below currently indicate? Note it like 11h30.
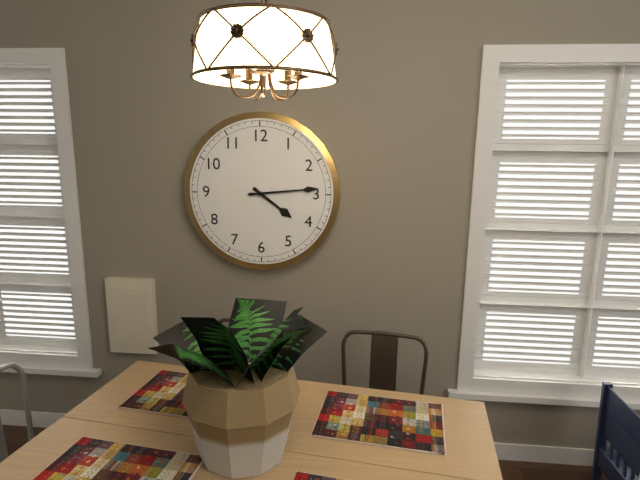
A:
4h14
